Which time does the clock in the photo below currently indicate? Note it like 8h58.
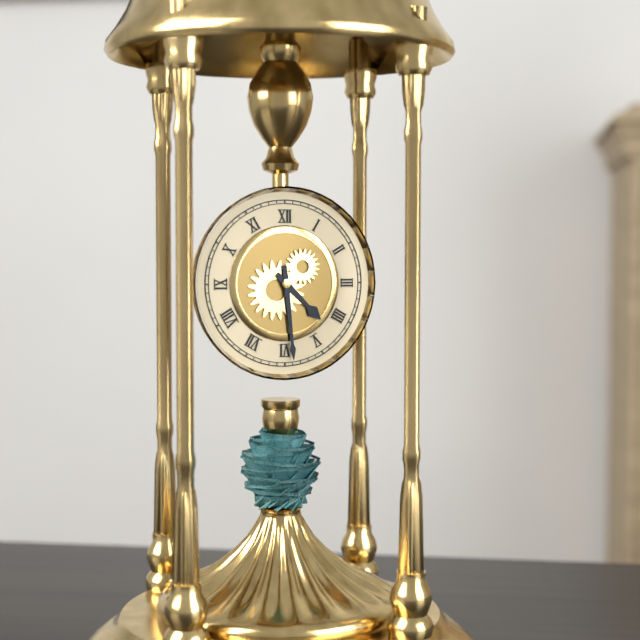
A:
4h29
